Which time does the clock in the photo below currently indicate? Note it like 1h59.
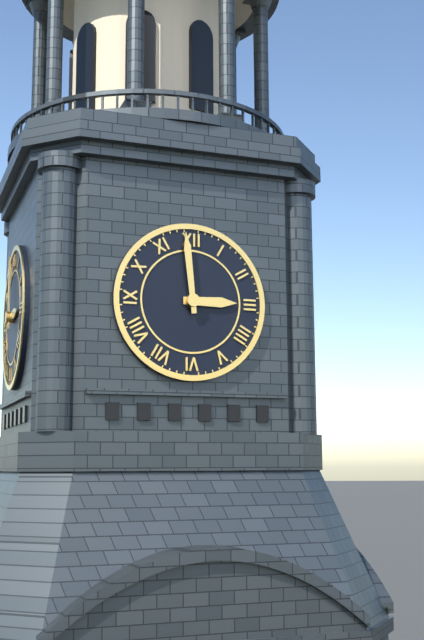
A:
2h59
